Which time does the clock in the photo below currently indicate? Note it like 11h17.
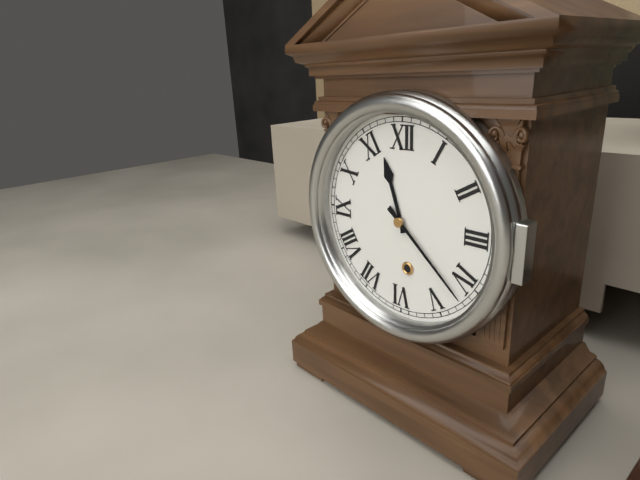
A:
11h22
